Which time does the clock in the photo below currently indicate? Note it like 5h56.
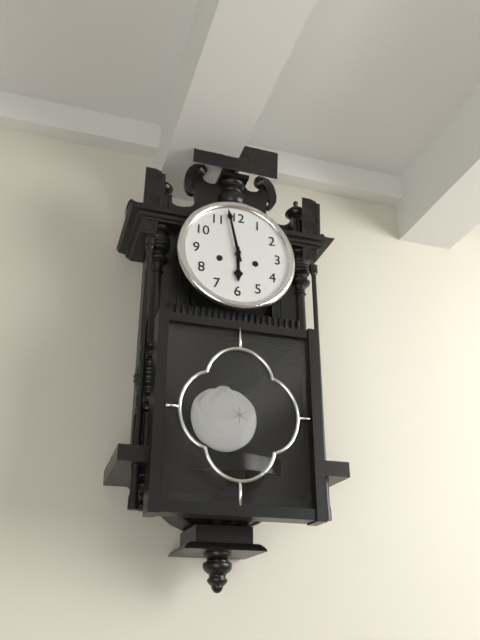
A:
5h58
